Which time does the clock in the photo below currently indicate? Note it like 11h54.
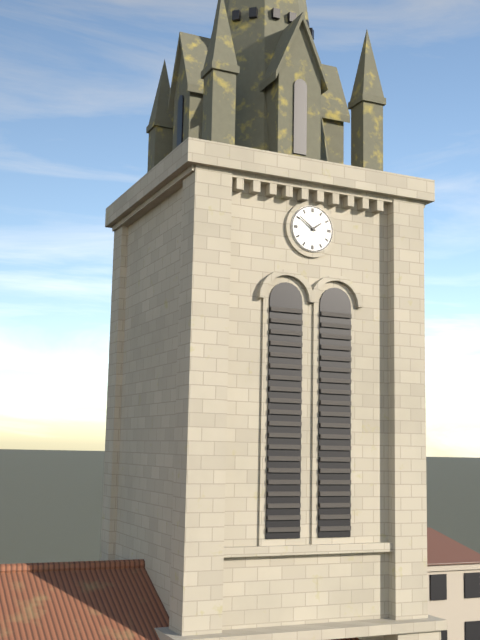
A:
1h51
